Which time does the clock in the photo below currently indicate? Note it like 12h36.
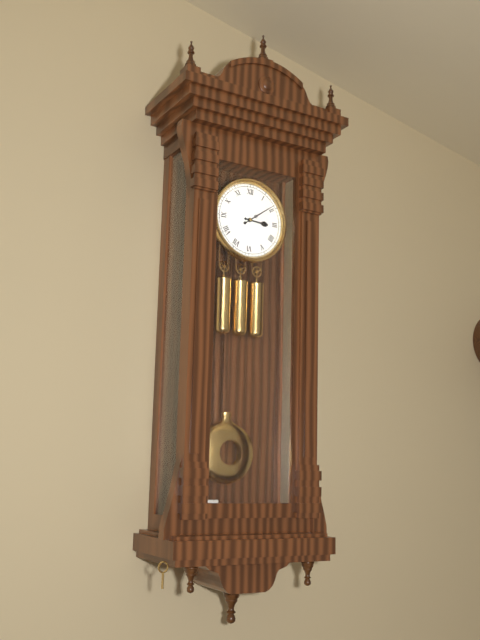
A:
3h09
